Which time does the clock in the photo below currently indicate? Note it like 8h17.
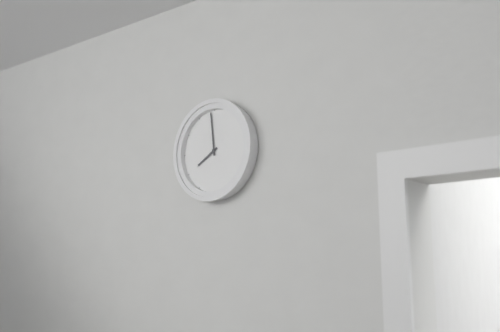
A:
7h59
